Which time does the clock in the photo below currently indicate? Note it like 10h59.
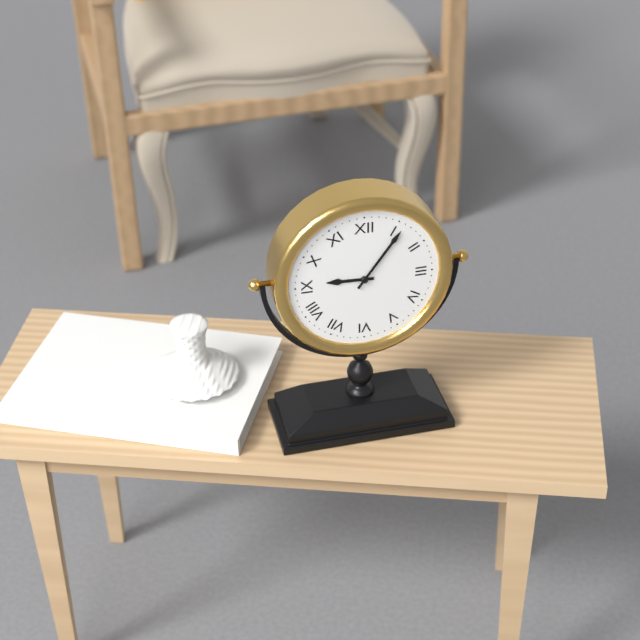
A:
9h06
